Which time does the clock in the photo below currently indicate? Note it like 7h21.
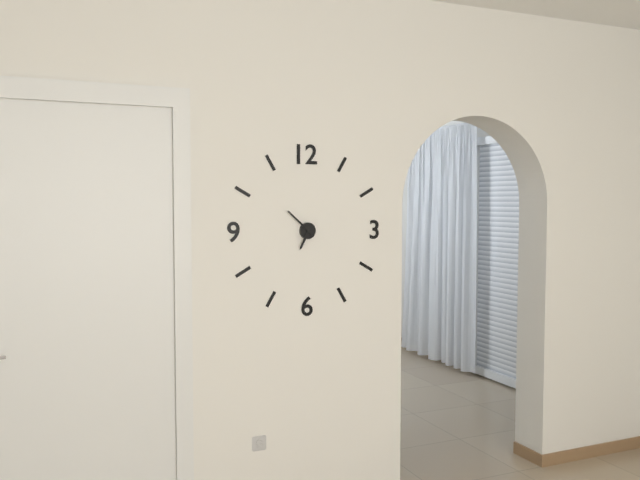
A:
6h52
